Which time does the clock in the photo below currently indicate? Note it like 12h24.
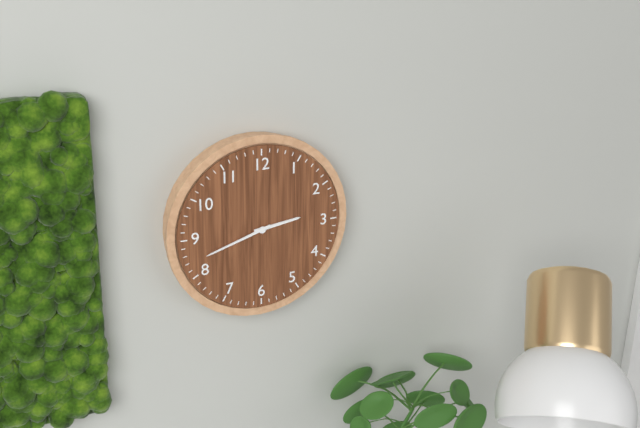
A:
2h42
